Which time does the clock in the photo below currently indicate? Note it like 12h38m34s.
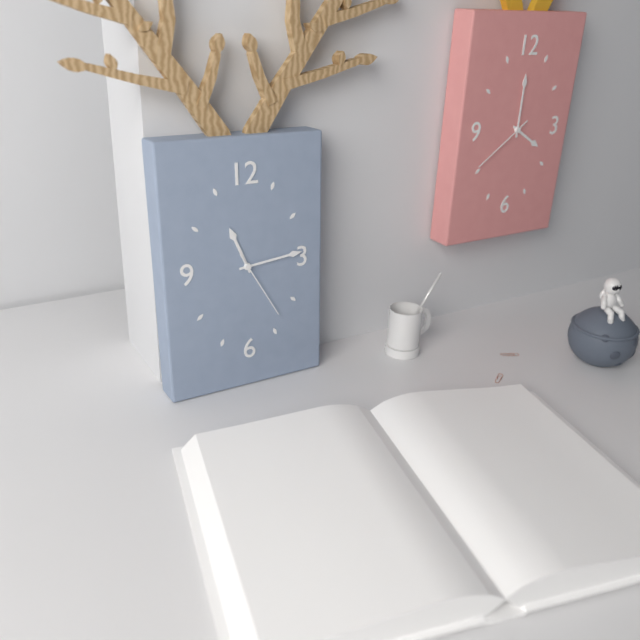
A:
11h14m25s
